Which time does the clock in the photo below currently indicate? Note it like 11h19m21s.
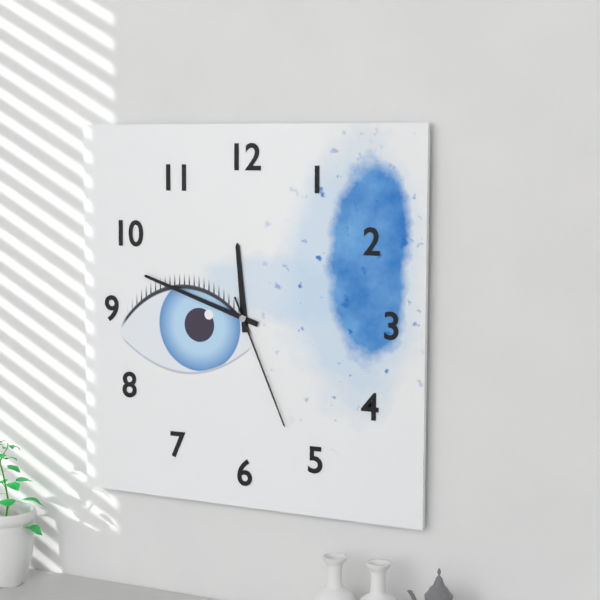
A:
11h48m26s
